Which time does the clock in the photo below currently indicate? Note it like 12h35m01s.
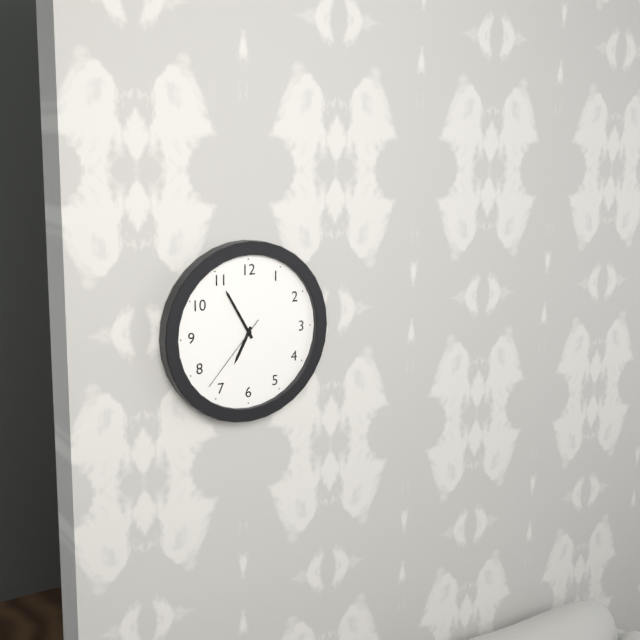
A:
6h55m37s
